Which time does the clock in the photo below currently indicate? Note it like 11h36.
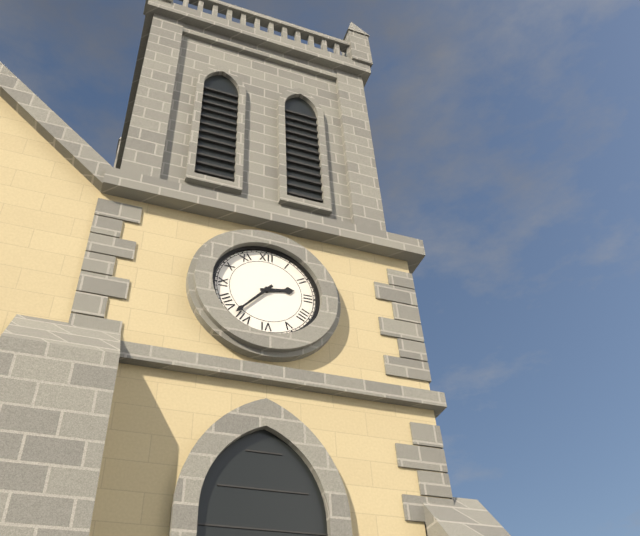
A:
2h37
